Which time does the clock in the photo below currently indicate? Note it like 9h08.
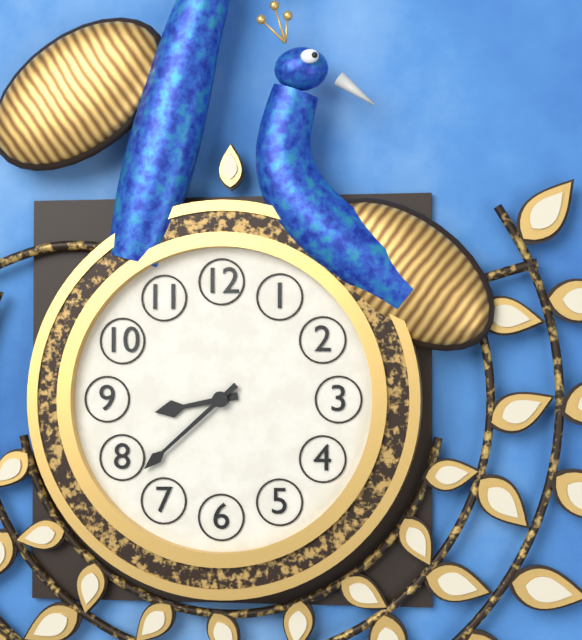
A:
8h38
